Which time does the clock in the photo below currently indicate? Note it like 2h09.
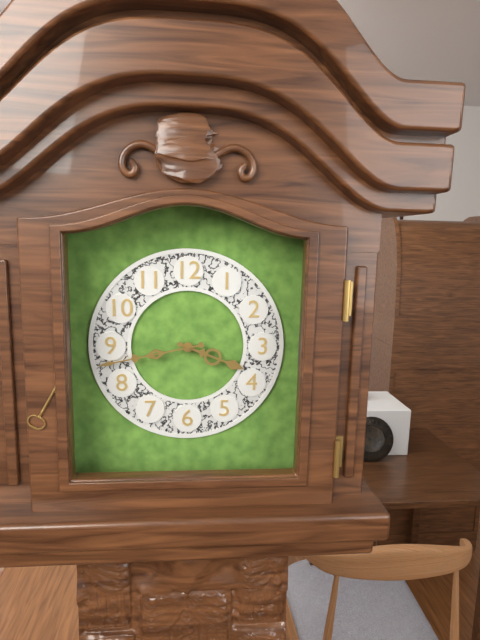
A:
3h43
